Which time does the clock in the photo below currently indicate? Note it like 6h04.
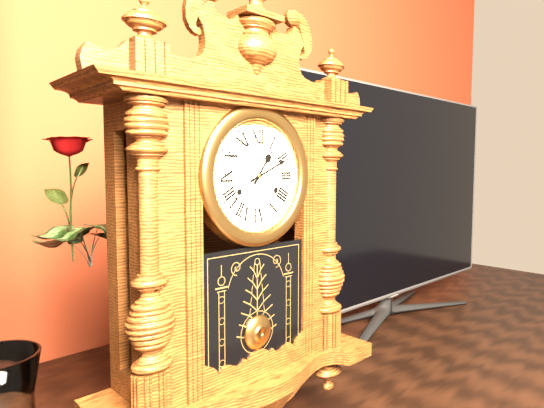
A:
1h11
